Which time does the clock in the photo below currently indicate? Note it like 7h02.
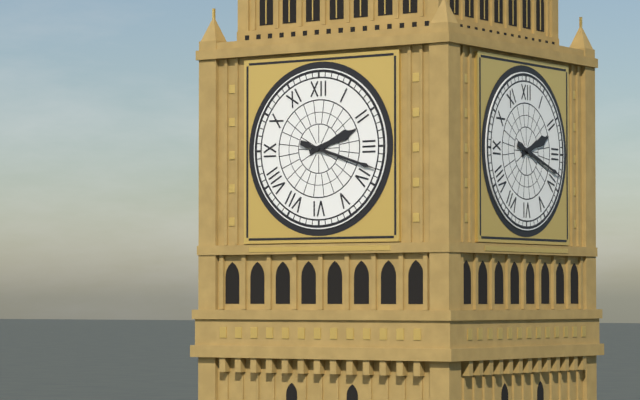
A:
2h18
